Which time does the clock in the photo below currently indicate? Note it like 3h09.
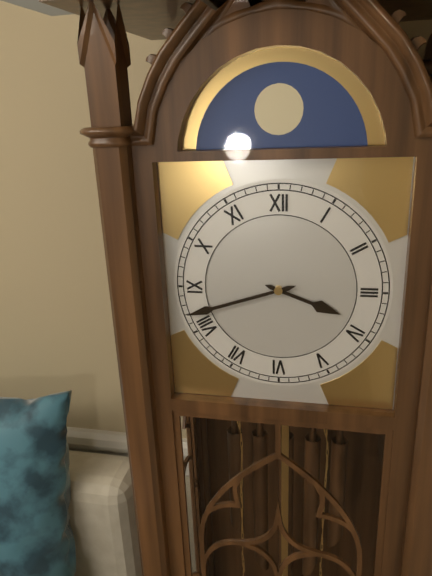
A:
3h42
